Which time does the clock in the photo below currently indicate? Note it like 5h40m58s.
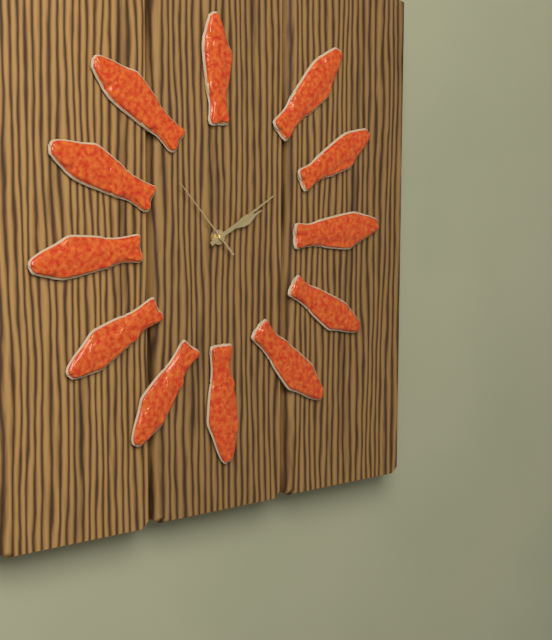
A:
2h10m53s
